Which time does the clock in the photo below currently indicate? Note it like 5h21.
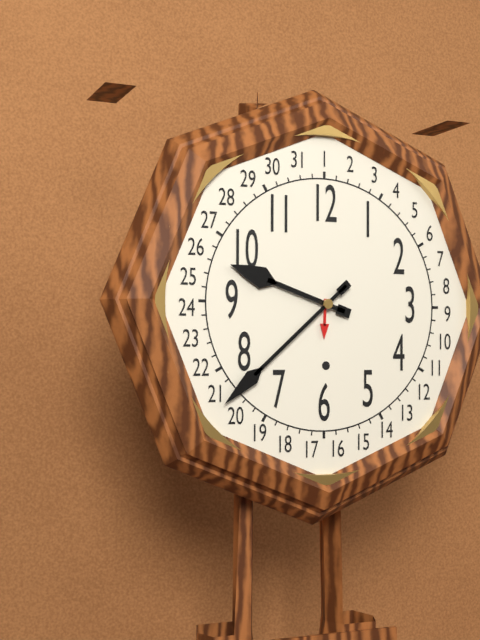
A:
9h38
